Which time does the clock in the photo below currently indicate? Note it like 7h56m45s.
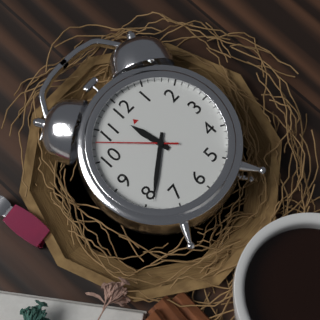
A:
11h39m53s
